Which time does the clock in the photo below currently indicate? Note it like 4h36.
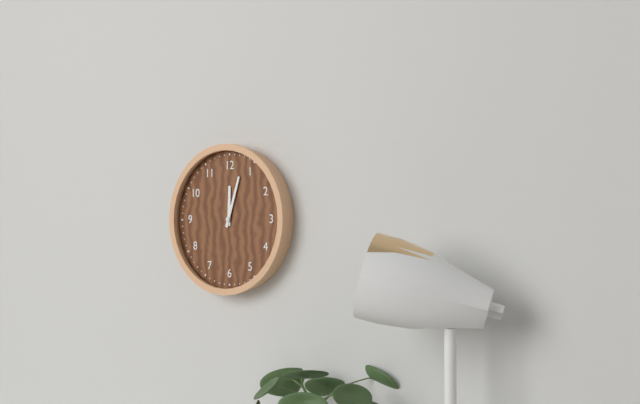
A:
12h03
